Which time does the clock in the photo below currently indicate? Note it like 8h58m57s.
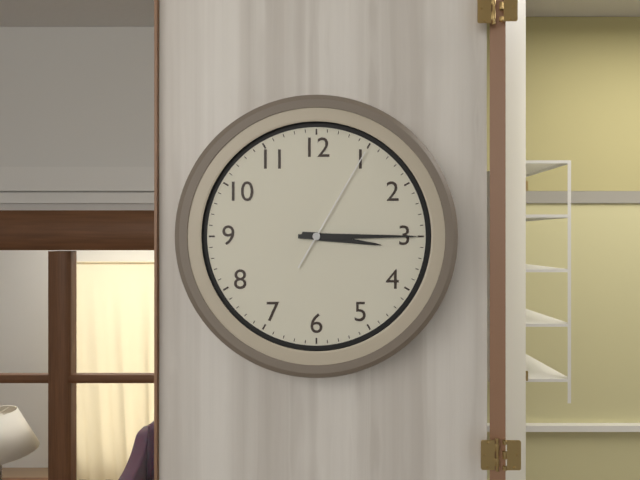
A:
3h15m05s
